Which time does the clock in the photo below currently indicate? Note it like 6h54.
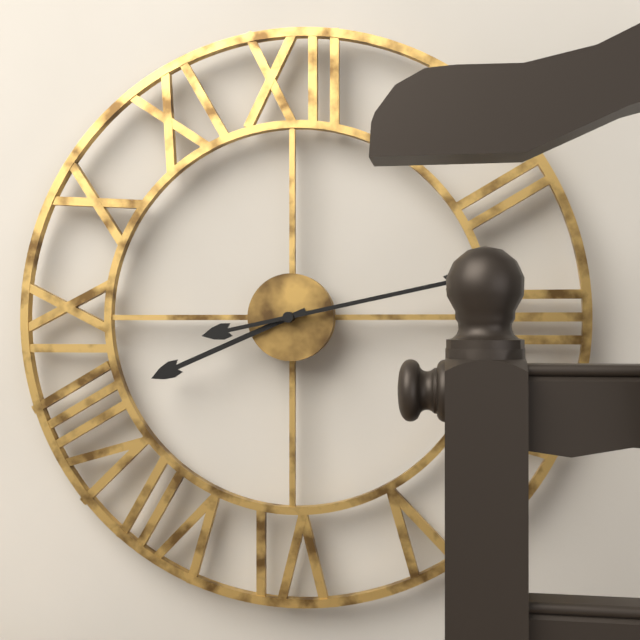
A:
8h13
